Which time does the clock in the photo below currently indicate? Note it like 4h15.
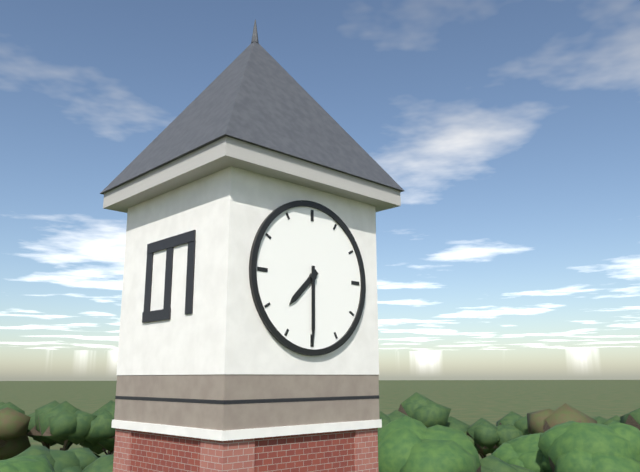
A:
7h30
